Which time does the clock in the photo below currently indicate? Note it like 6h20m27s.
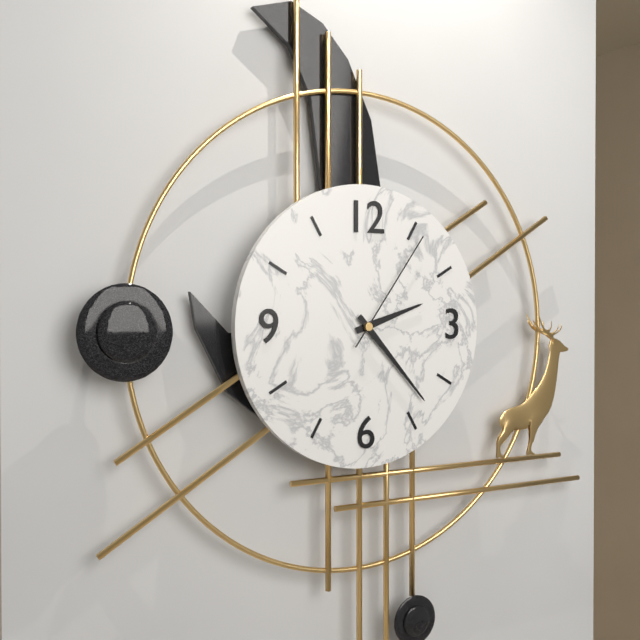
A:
2h23m06s
